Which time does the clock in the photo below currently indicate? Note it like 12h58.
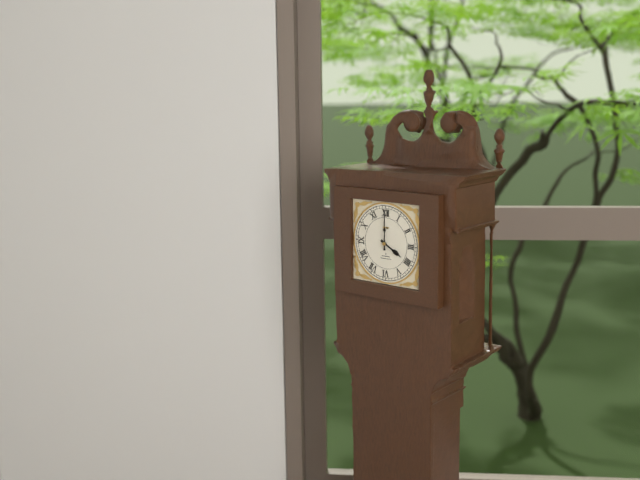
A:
4h00
